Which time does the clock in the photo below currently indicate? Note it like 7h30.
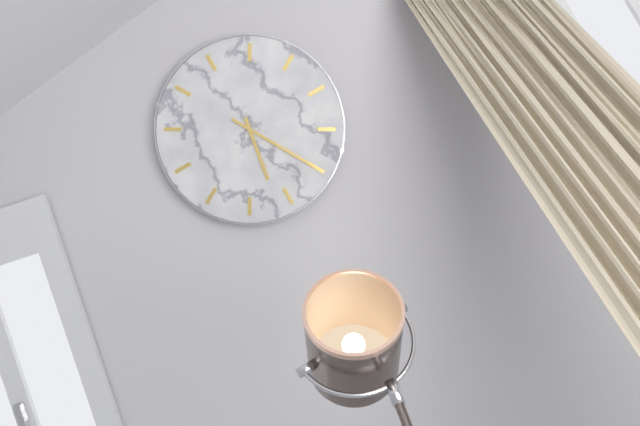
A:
5h20
